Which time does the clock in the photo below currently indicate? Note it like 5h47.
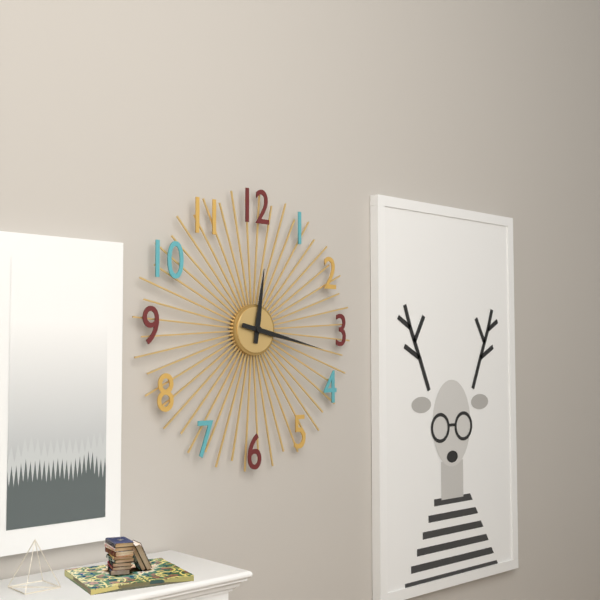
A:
12h17
